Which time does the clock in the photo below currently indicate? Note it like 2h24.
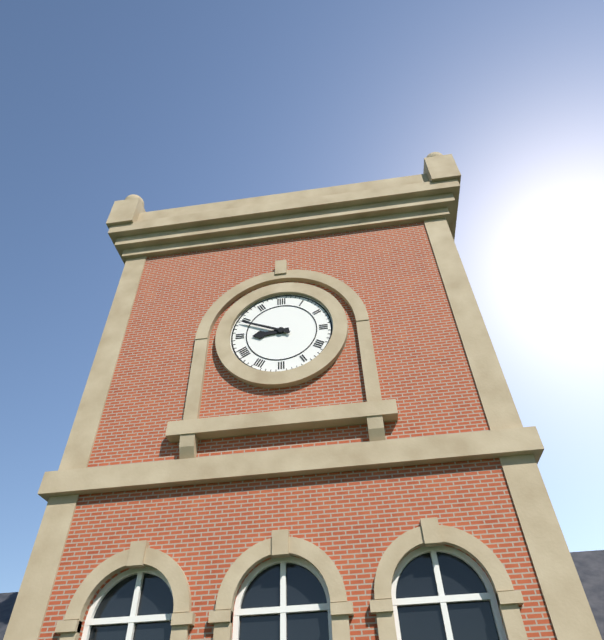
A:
8h49
